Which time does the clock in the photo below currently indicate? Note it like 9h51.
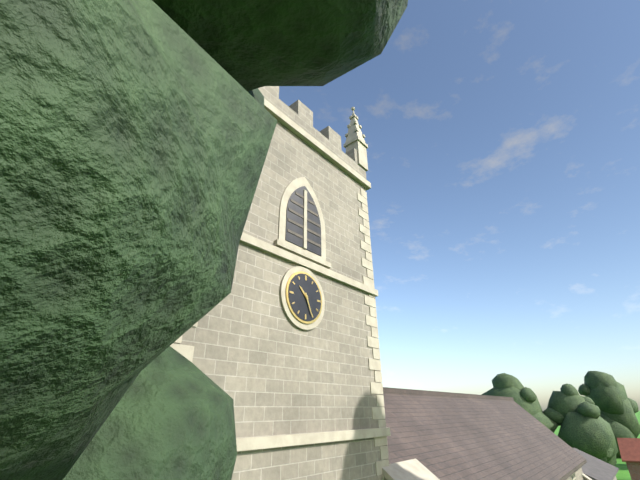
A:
10h26
